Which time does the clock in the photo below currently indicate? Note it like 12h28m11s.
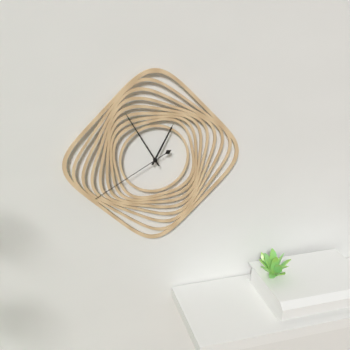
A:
12h55m40s
